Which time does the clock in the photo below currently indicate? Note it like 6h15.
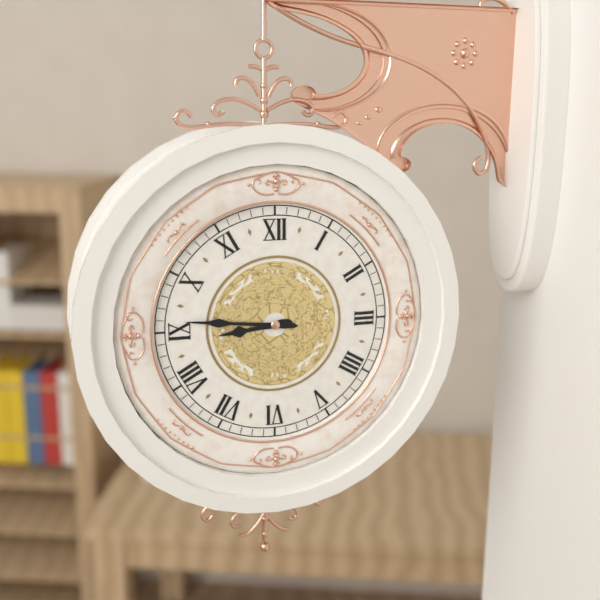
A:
8h46
